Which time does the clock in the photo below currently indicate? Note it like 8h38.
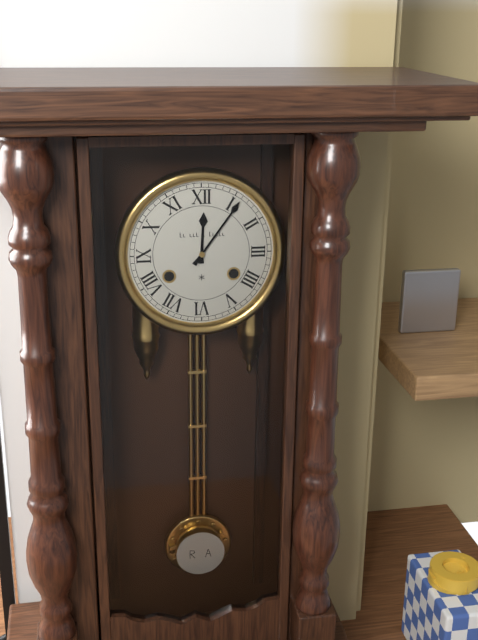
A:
12h06
